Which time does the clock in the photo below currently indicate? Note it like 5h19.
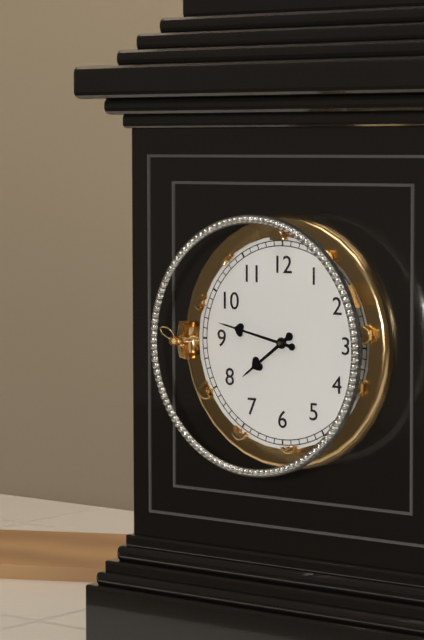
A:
7h47
